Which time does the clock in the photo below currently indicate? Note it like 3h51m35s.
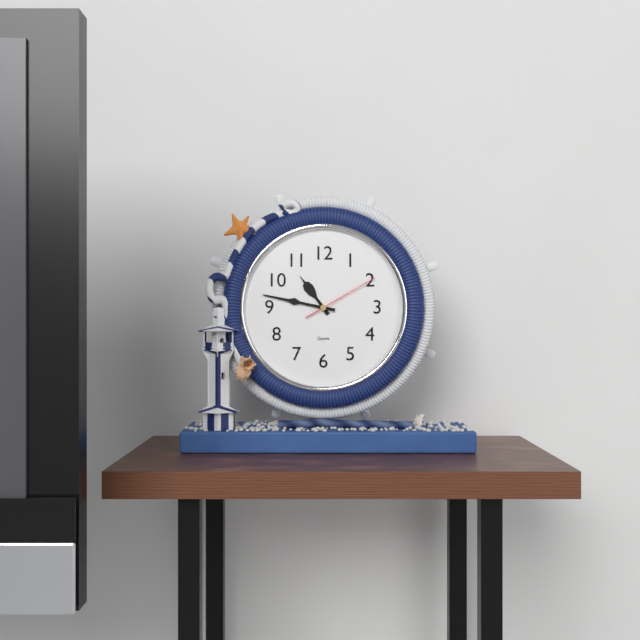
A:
10h47m10s
